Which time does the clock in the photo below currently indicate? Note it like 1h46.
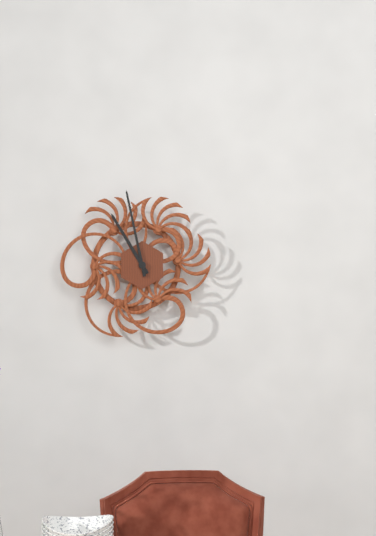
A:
10h58
